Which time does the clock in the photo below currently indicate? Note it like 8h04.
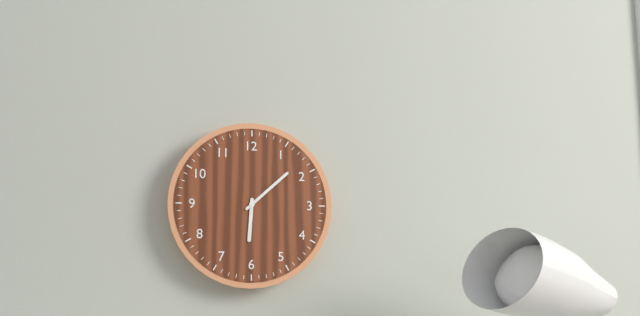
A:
6h08
